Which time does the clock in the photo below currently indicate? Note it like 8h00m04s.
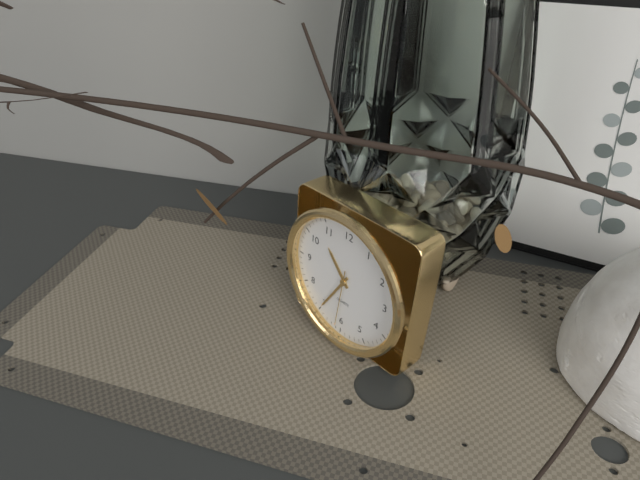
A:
10h35m31s
